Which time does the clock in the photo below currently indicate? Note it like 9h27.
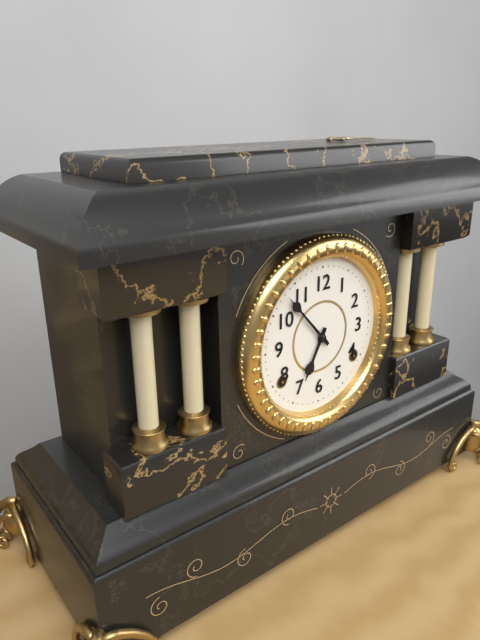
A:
6h53
